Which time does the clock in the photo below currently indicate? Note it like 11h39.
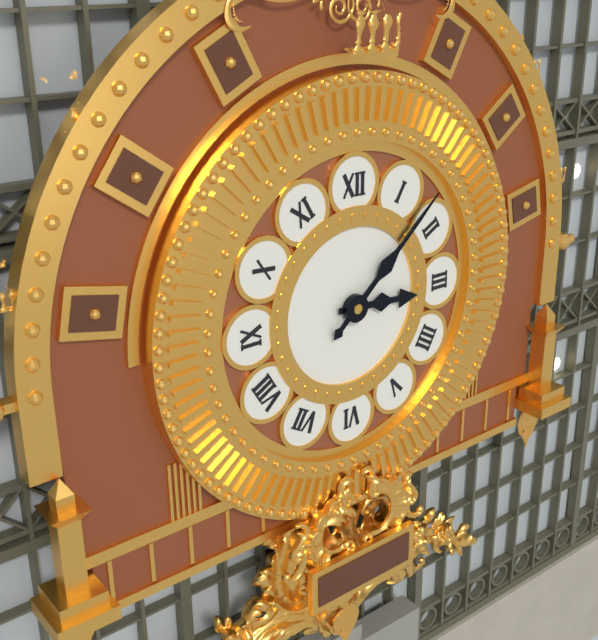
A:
3h08
